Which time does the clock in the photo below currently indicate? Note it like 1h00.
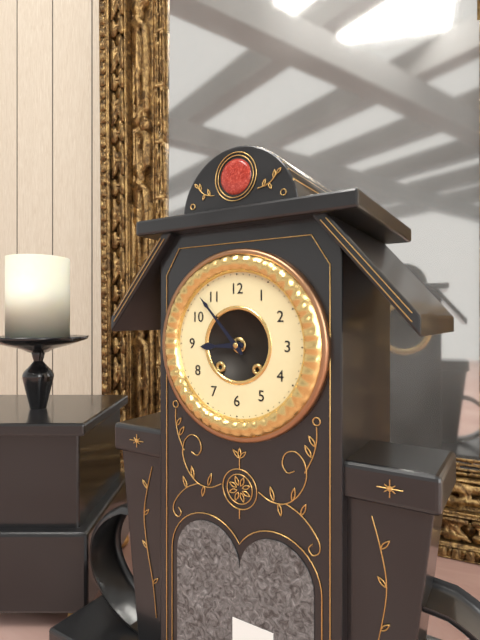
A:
8h53
